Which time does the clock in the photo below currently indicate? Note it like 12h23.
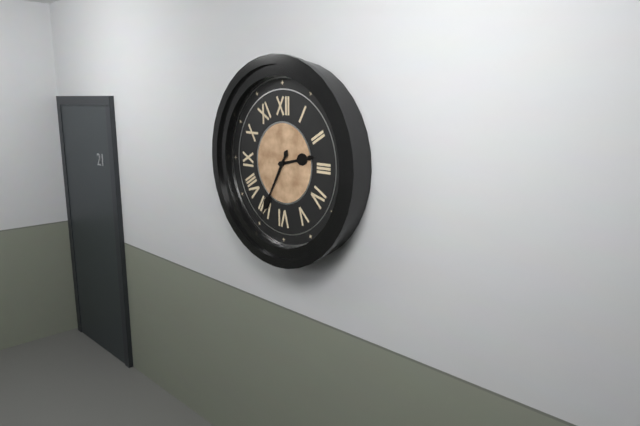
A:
2h35
